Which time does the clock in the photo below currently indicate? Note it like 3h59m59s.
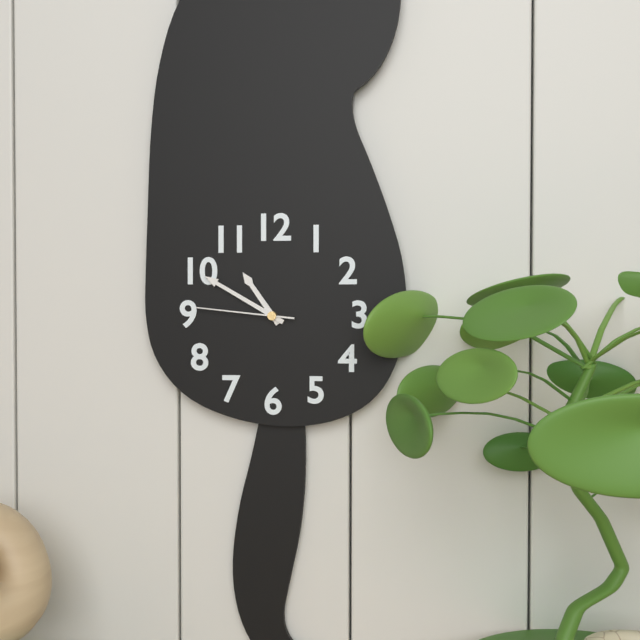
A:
10h50m46s
